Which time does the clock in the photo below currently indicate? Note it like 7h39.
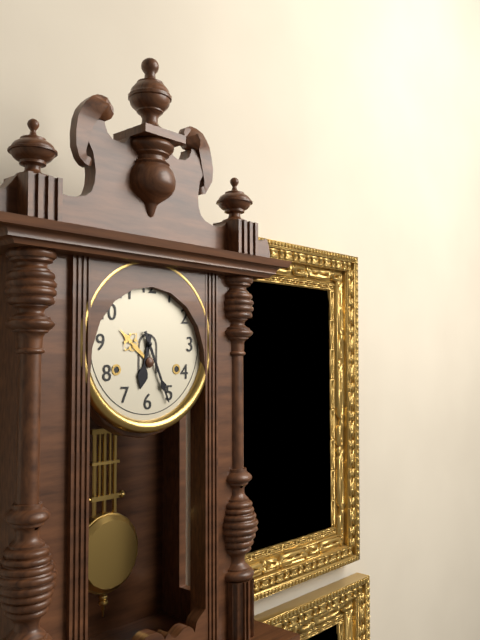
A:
6h26
